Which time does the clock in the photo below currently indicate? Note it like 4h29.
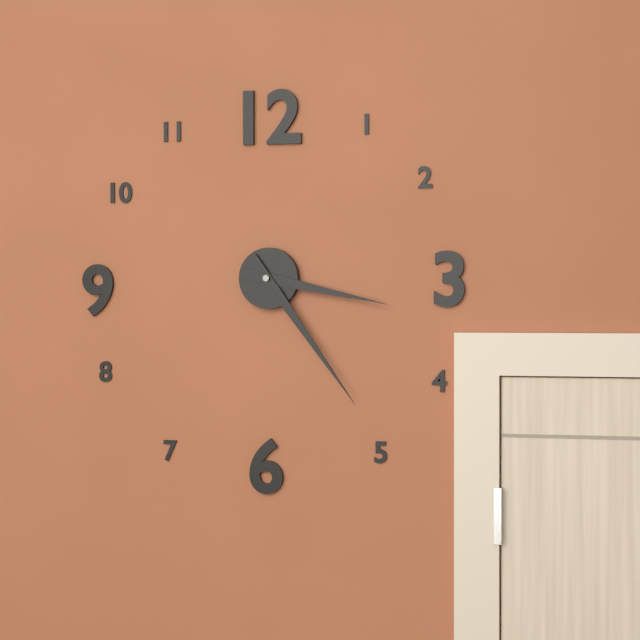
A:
3h24
